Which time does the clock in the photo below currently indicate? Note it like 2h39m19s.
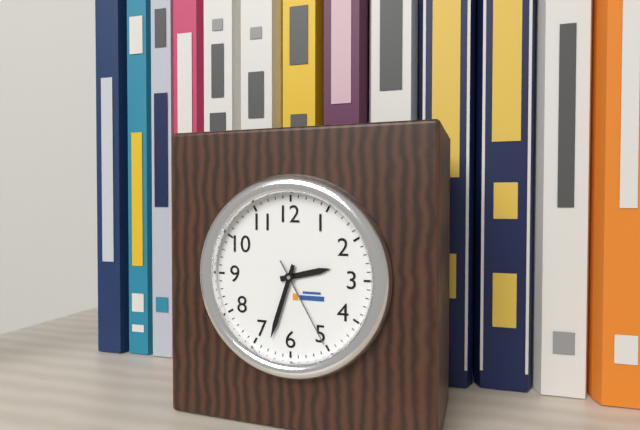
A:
2h33m25s
